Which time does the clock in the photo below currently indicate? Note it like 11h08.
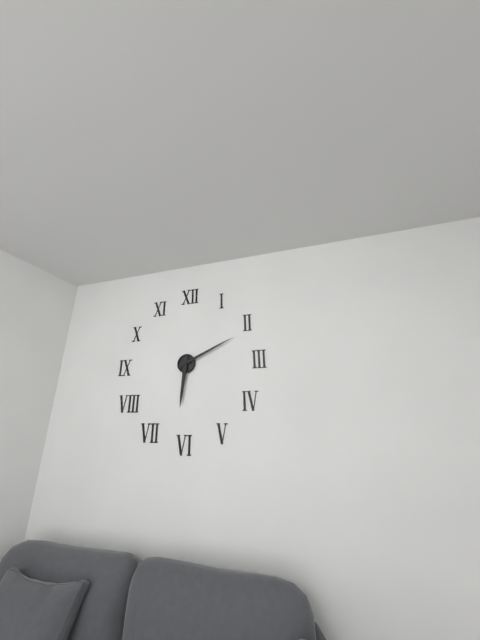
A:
6h11
